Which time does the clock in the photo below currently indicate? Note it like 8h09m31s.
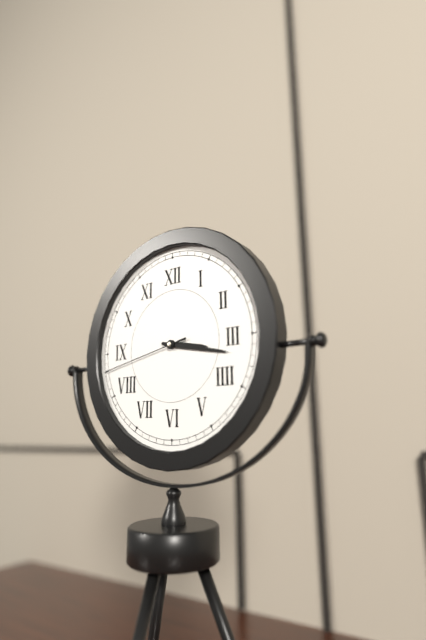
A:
3h17m43s
